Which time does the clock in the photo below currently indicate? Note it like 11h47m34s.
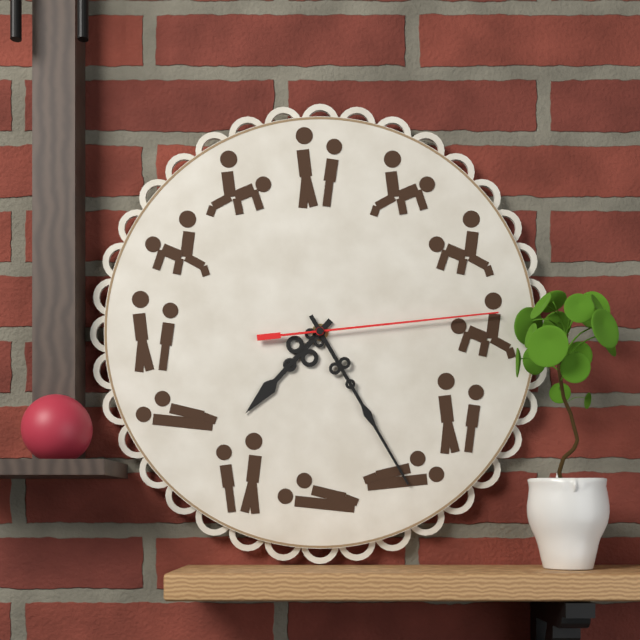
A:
7h25m14s
